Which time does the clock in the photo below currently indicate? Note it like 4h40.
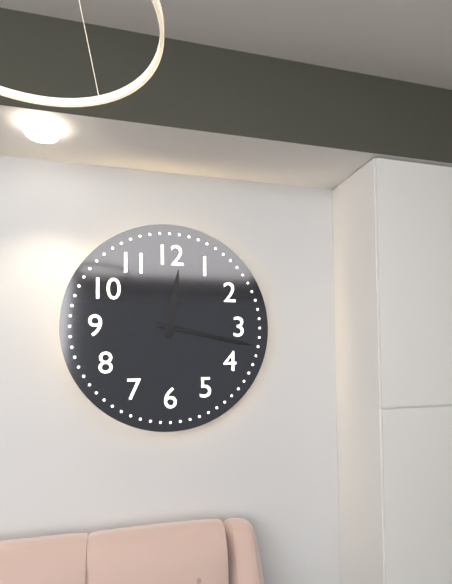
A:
12h17
